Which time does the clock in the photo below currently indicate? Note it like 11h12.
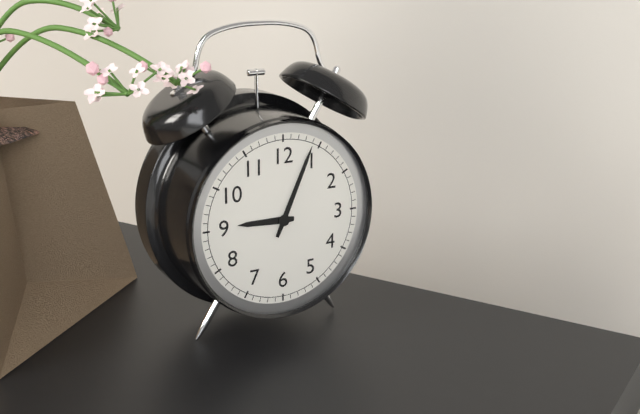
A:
9h04
